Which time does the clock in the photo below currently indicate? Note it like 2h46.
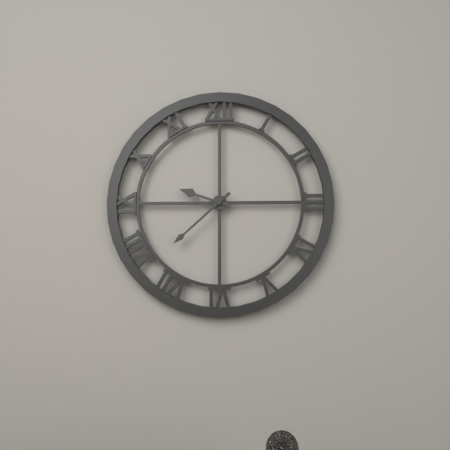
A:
9h38
